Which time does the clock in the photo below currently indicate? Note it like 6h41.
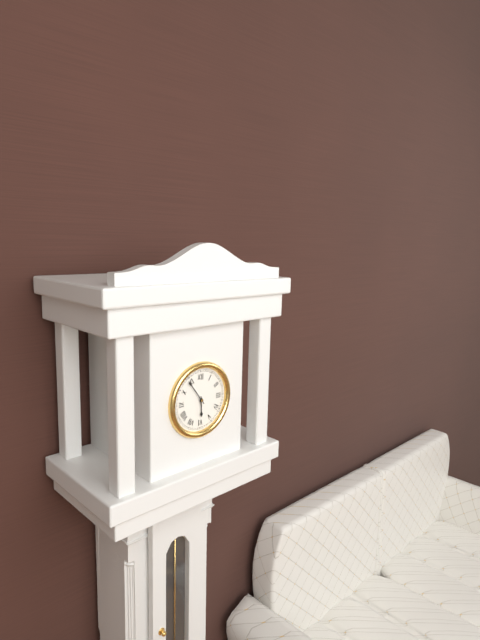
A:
5h54
